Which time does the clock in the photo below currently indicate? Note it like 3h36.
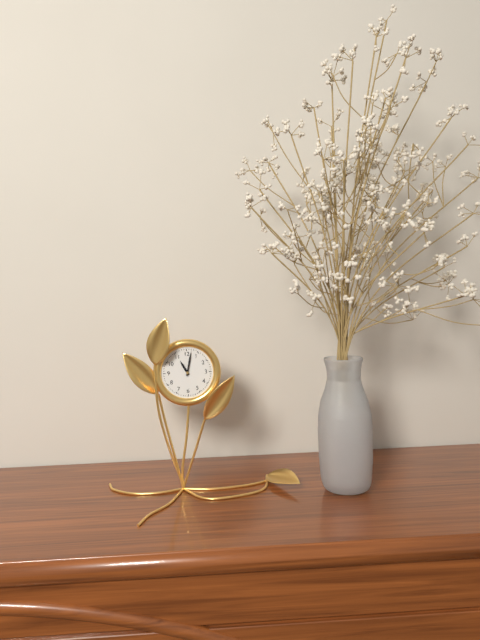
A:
11h02
